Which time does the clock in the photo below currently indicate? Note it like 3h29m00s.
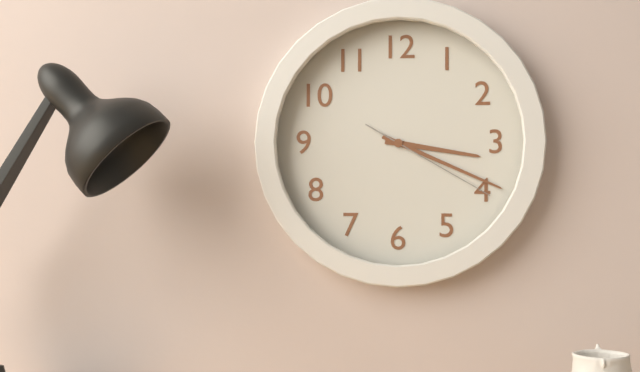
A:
3h19m20s
